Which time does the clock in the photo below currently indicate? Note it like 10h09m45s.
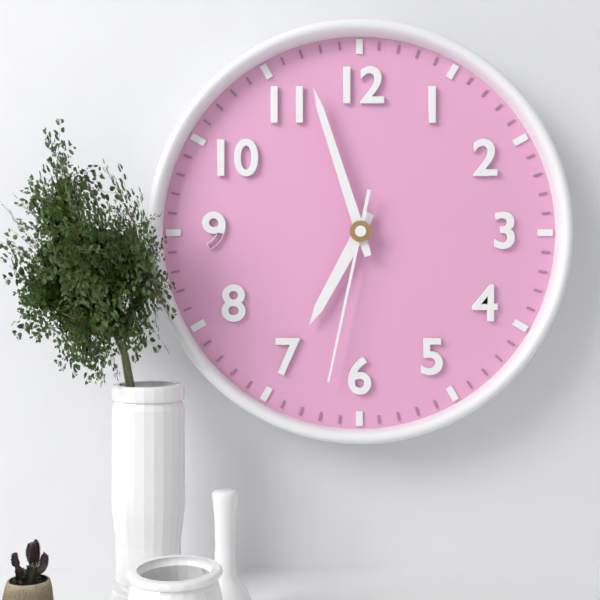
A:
6h57m32s
